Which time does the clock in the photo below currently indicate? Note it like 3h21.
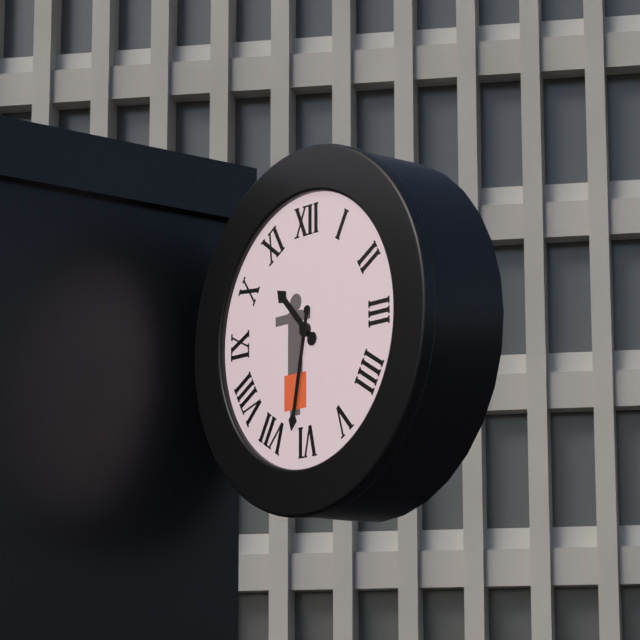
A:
10h32
